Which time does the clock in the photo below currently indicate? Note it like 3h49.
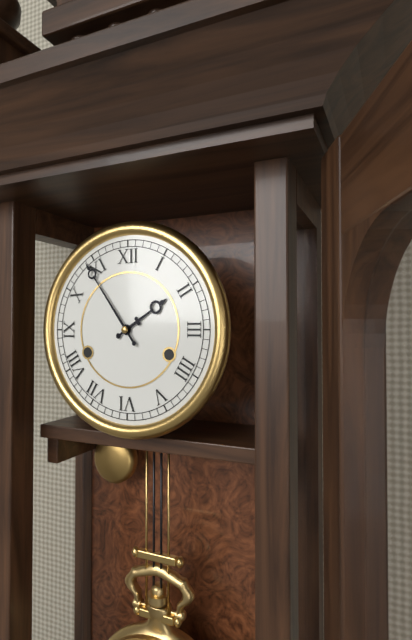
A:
1h54
